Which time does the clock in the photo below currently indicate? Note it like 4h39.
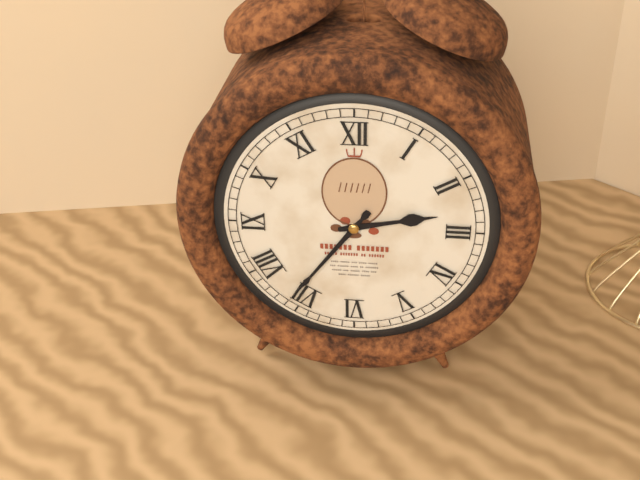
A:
2h36
